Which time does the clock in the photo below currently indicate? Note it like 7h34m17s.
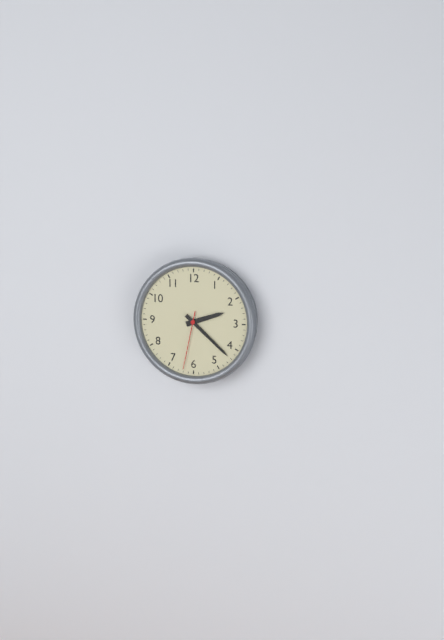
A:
2h22m32s
